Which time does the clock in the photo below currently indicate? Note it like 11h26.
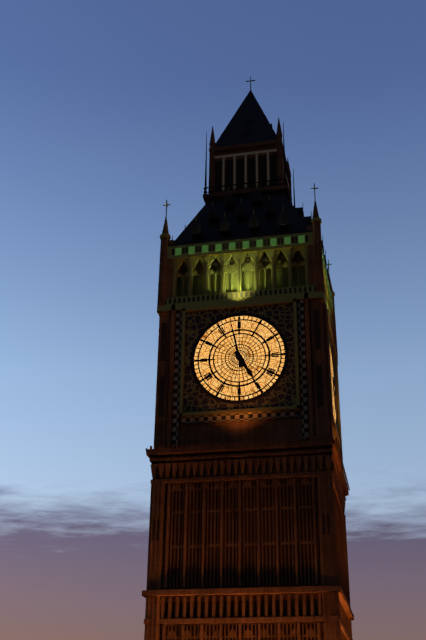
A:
4h58
